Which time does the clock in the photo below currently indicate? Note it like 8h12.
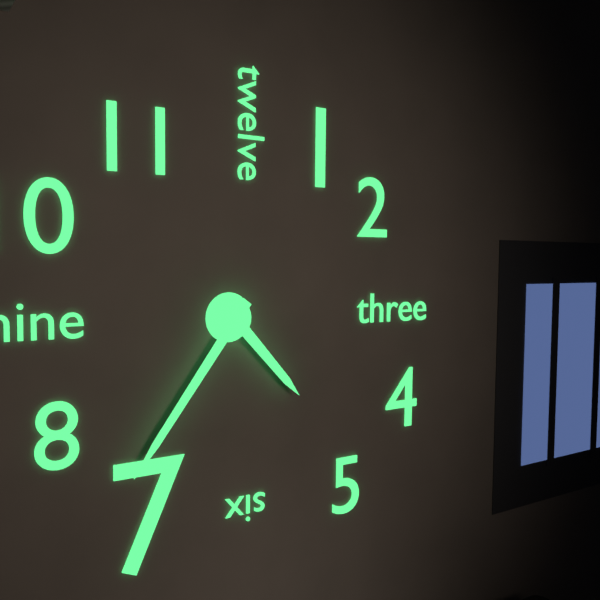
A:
4h36
